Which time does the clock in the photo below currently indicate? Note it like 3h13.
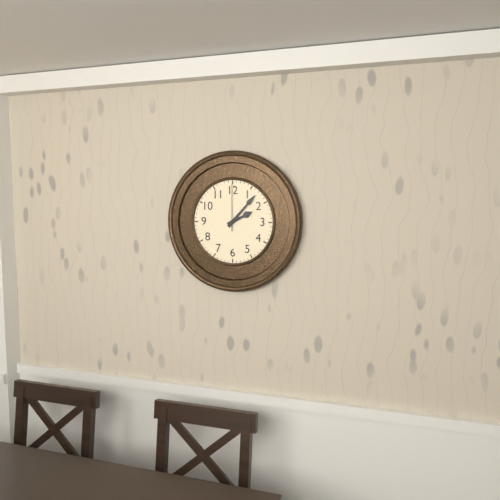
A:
2h07
